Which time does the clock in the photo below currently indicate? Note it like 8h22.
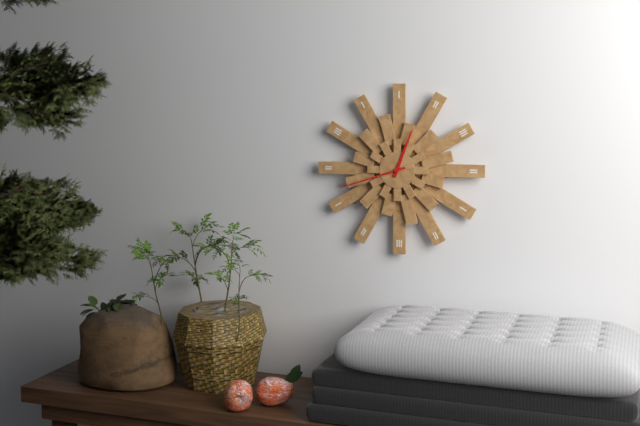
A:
12h42
